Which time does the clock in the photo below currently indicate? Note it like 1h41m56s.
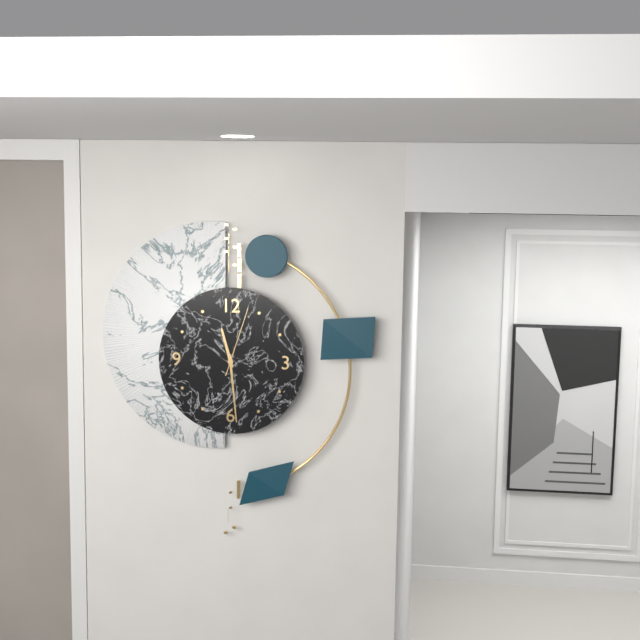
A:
11h29m03s
